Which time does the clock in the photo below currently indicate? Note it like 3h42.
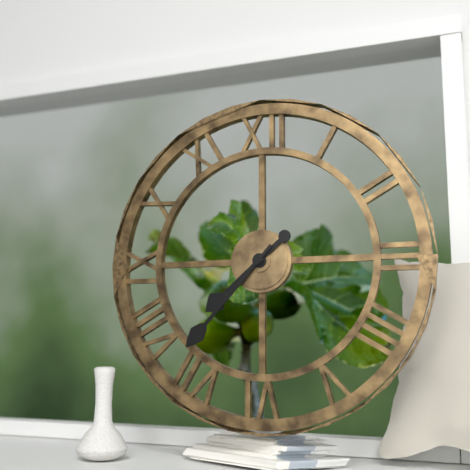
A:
7h37
